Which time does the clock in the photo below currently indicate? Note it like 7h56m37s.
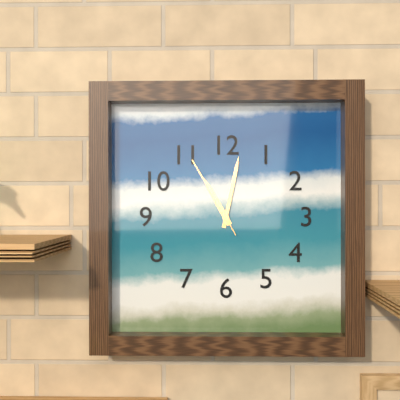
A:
11h02m55s
